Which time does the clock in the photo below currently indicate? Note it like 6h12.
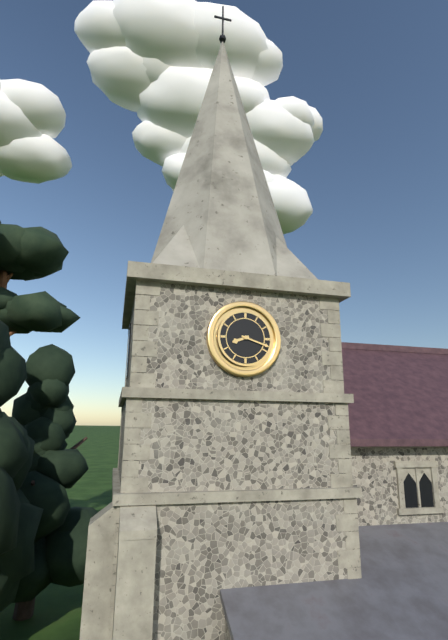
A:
8h18
